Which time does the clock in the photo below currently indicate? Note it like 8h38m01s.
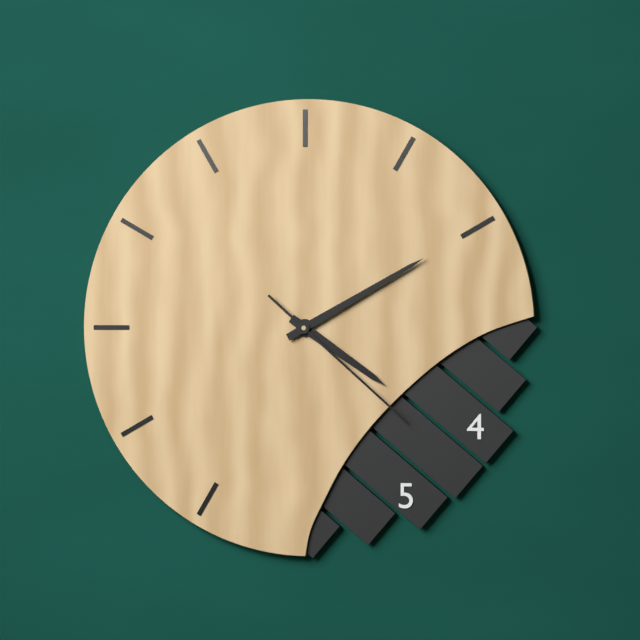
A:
4h10m22s
